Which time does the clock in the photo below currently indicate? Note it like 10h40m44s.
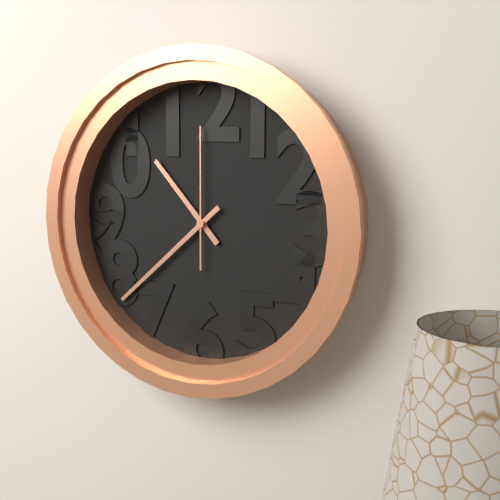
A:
10h38m00s
